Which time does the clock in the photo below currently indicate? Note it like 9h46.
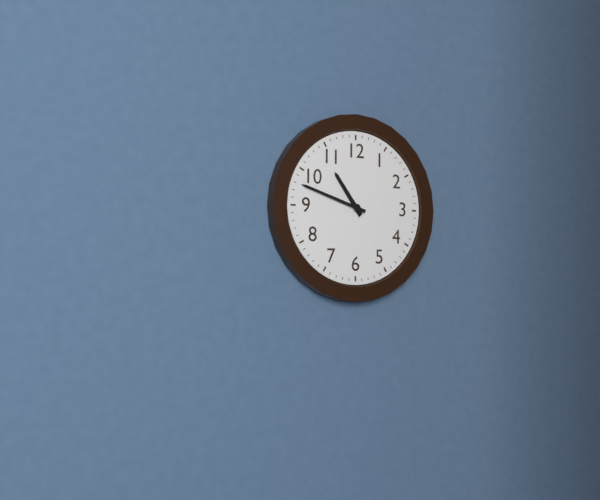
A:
10h48
